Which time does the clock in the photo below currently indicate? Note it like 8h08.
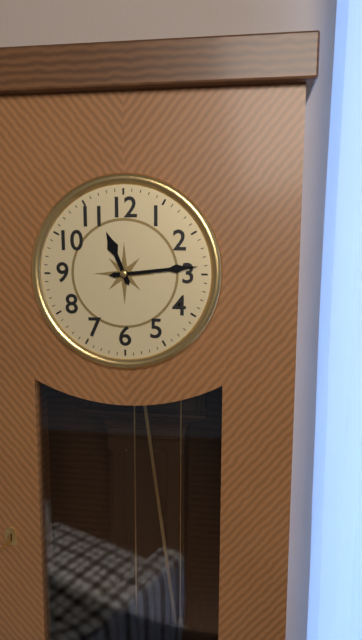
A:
11h14
